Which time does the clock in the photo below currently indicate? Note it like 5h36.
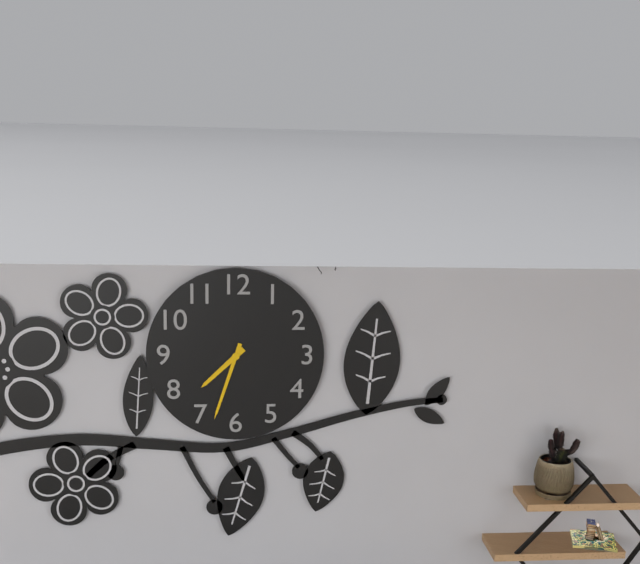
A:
7h33
